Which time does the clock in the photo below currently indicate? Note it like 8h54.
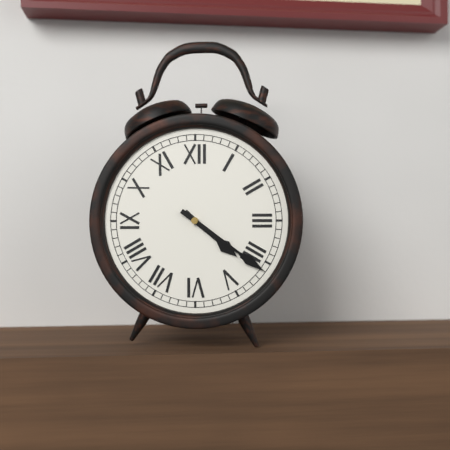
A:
4h21
